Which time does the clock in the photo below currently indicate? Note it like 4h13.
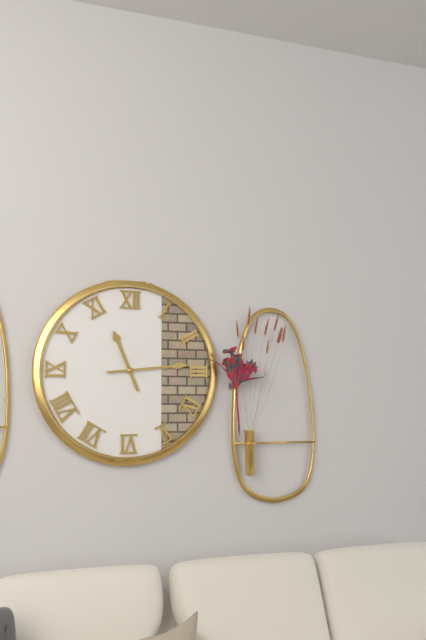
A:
11h14
